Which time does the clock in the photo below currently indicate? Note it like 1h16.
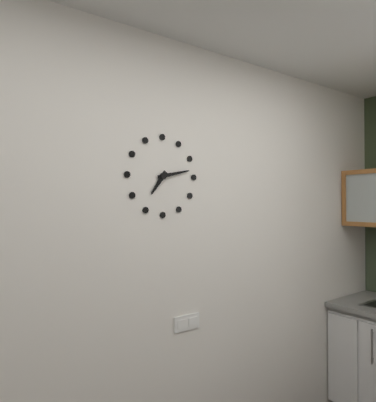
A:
7h13
